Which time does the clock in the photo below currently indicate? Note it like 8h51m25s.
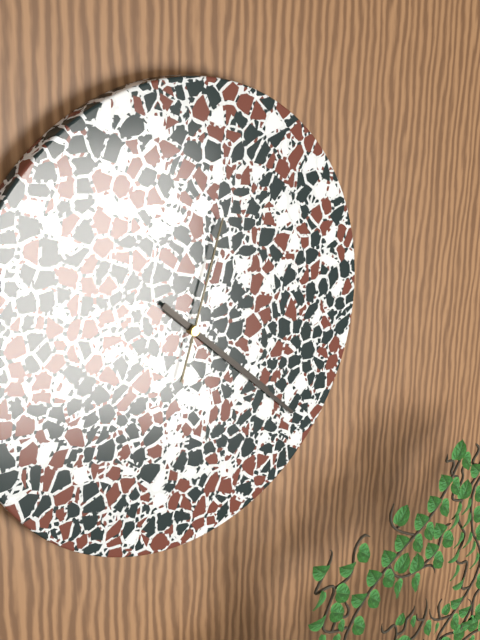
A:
4h22m03s
